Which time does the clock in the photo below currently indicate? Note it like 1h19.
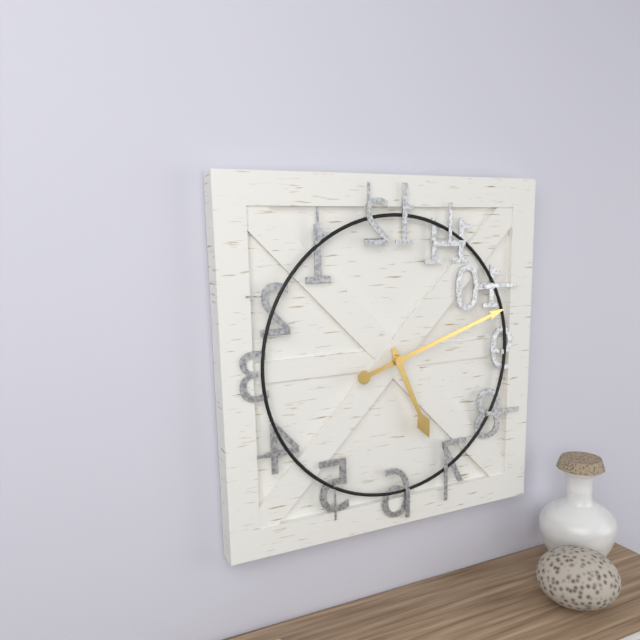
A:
5h12
